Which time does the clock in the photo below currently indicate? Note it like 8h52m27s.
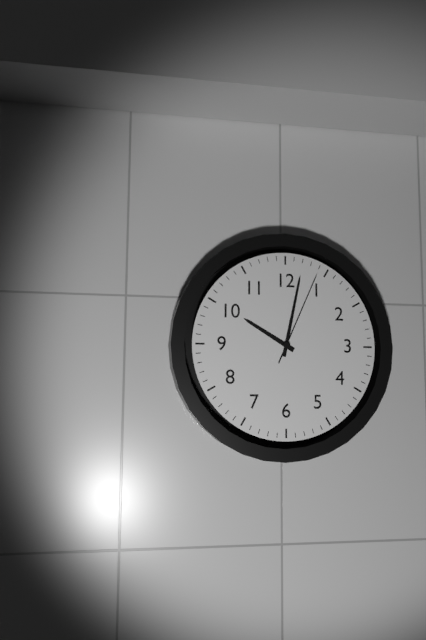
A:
10h02m04s
